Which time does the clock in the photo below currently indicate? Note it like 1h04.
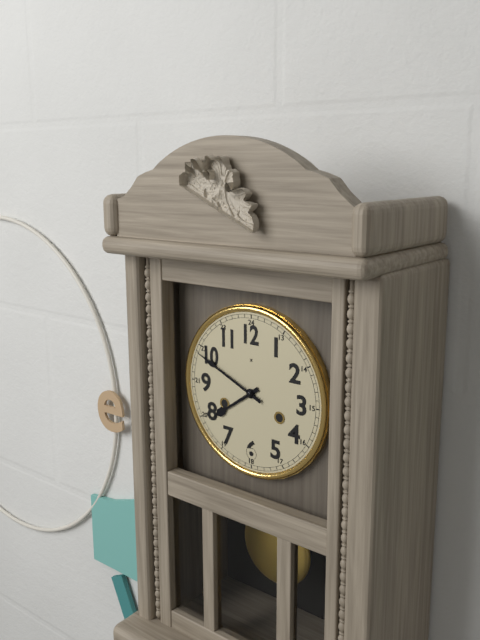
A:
7h49
